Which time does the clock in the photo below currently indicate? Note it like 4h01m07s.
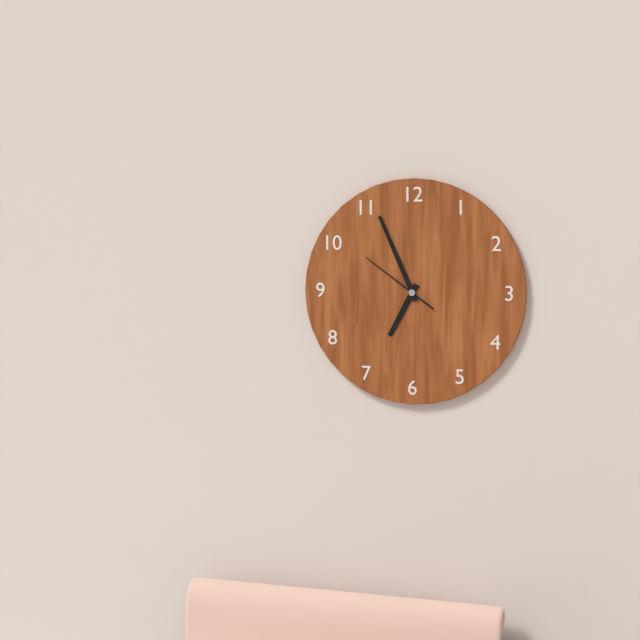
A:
6h56m51s
